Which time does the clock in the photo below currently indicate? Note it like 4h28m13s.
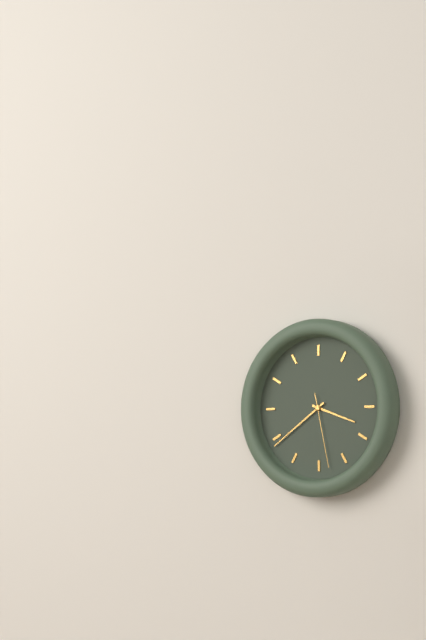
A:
3h39m28s
